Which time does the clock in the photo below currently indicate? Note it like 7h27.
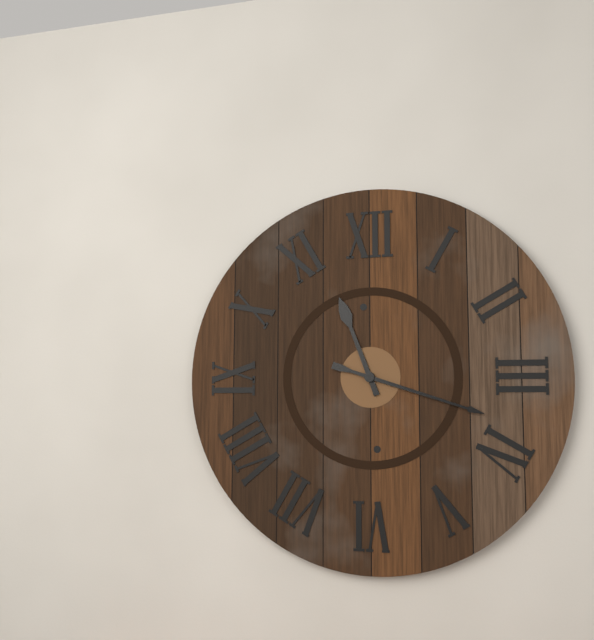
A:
11h18
